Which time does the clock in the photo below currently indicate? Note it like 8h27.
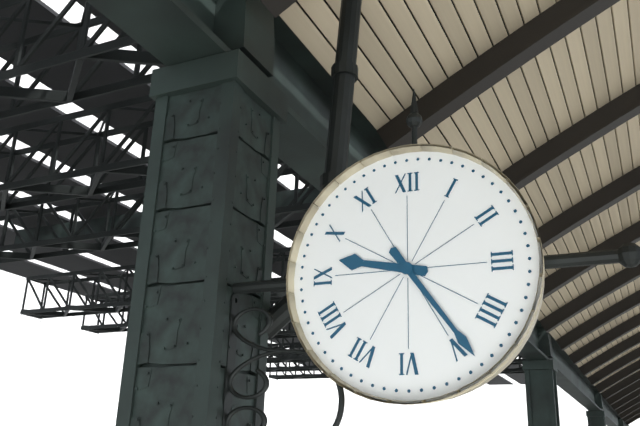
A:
9h24
